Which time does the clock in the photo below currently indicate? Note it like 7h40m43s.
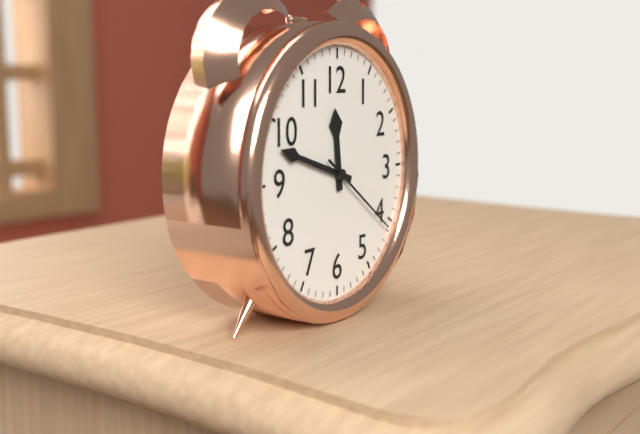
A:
11h48m21s
